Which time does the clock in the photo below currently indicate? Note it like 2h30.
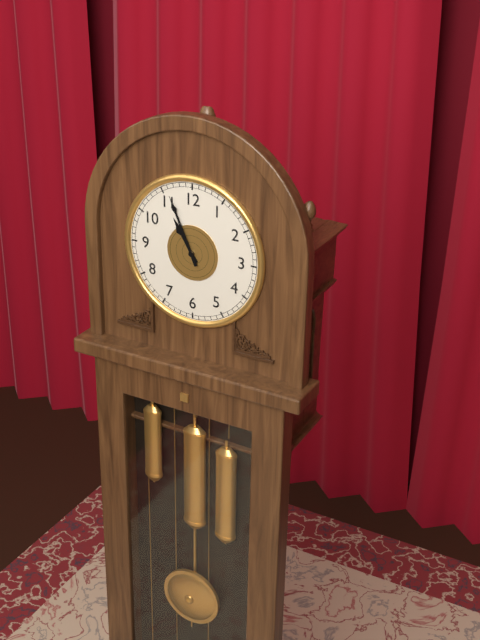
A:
10h56
